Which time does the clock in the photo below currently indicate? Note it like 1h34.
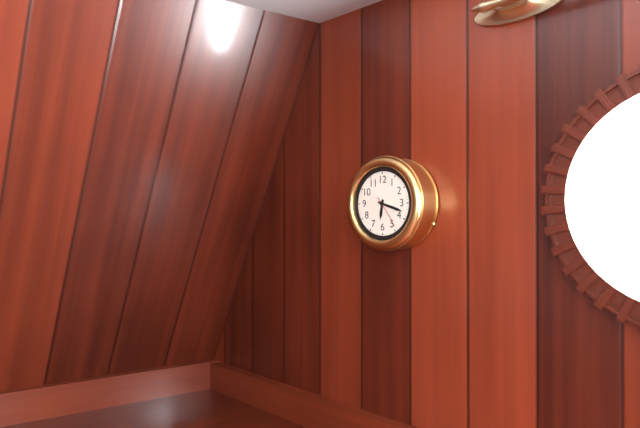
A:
6h18
